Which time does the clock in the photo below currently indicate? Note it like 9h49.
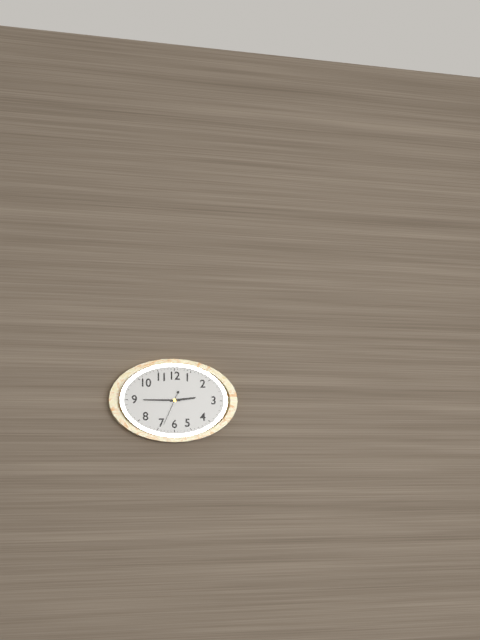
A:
2h45
